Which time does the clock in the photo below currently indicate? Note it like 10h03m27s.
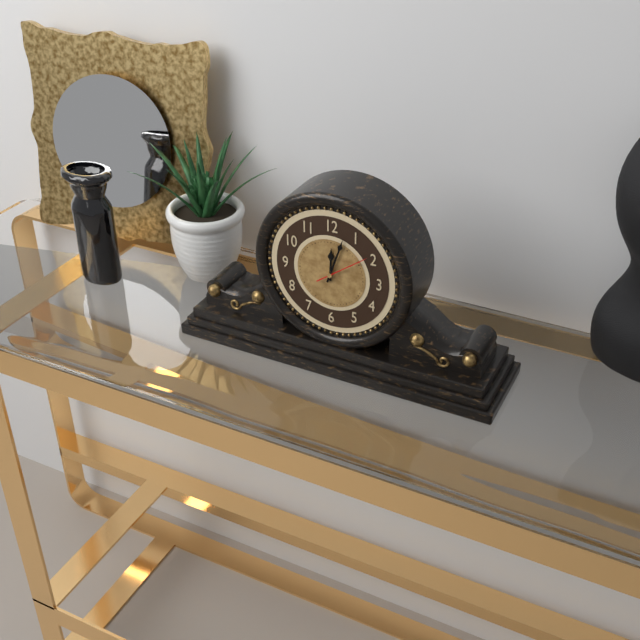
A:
12h03m09s
